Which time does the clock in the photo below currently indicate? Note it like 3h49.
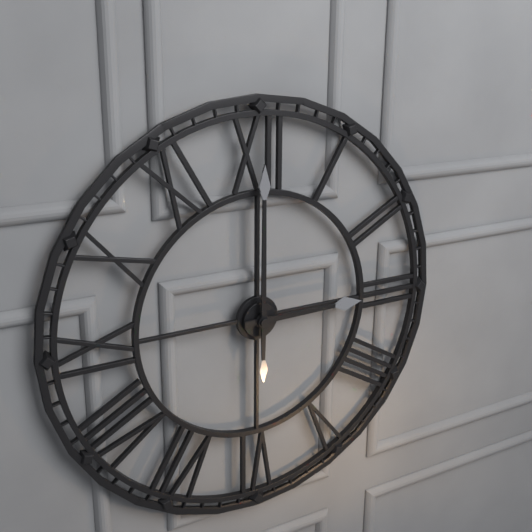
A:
3h00
